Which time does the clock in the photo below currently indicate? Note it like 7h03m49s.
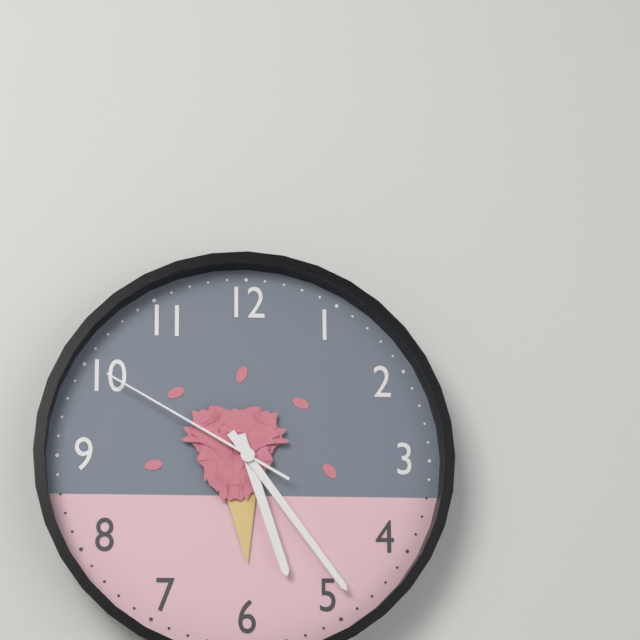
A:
5h24m50s
